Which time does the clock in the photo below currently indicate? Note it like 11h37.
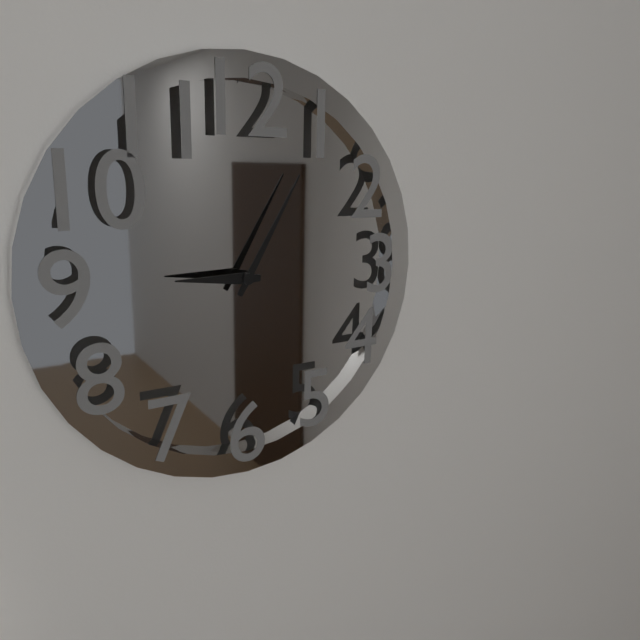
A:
9h05
